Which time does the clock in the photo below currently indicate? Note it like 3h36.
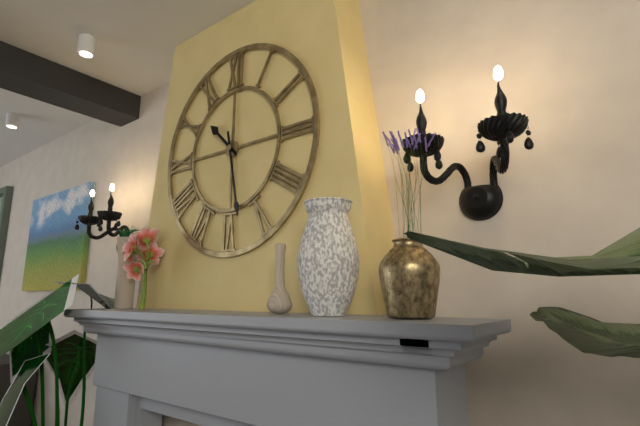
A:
10h28
